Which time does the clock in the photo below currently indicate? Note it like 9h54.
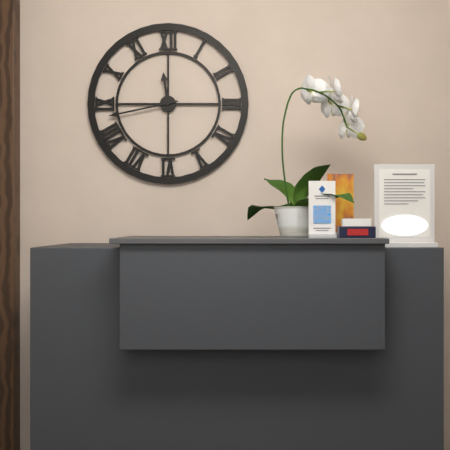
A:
11h43
